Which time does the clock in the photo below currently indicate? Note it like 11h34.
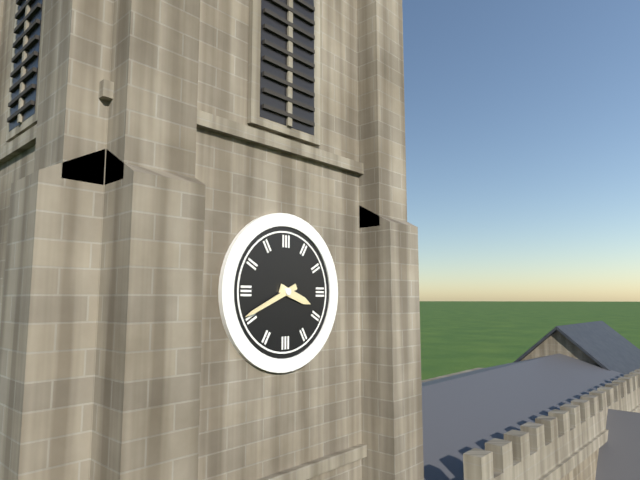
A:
3h41
